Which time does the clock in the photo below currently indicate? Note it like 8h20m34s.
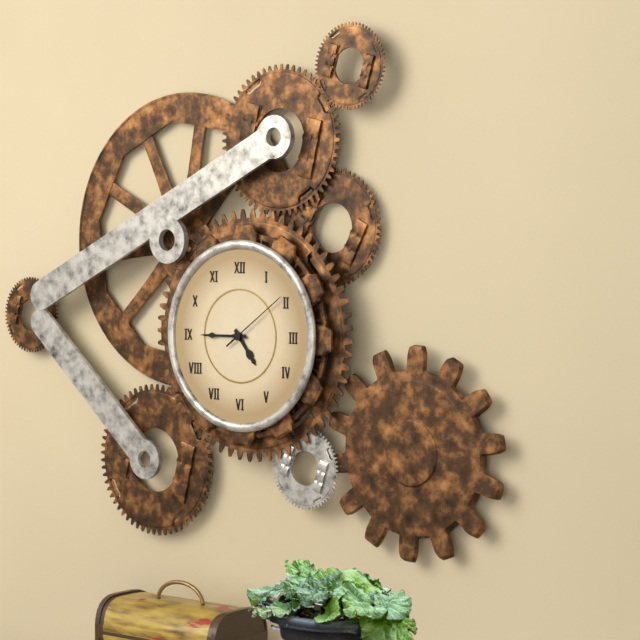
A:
4h45m09s
